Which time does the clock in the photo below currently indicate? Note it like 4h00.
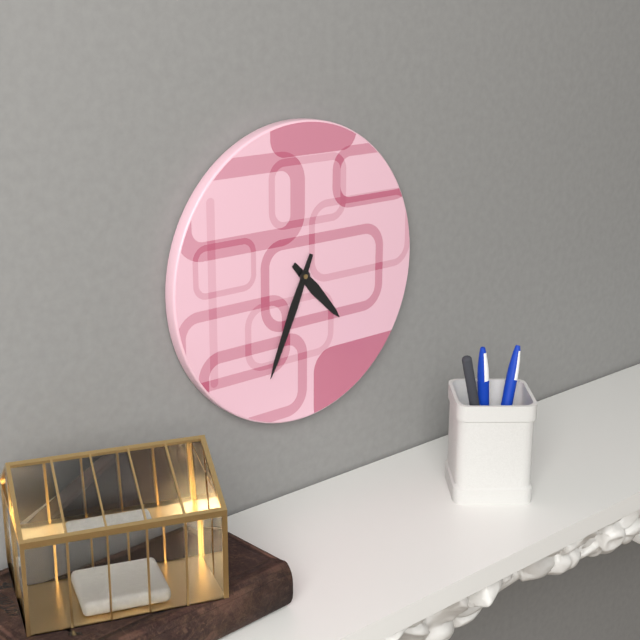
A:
4h34
